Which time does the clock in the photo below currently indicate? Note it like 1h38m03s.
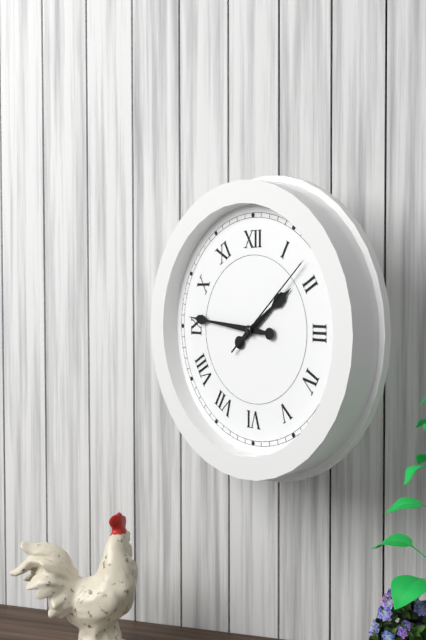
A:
1h46m08s
